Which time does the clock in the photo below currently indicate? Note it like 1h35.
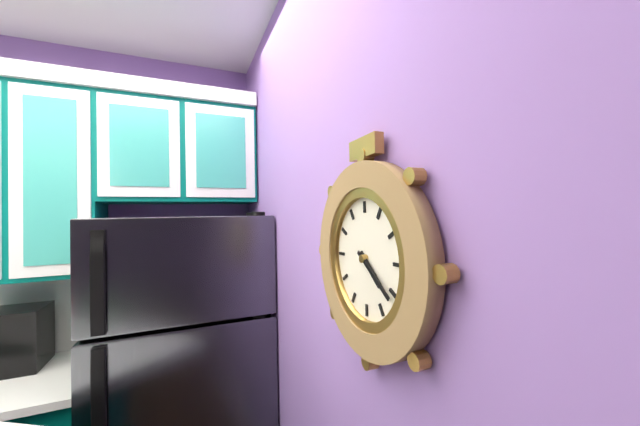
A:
4h21
